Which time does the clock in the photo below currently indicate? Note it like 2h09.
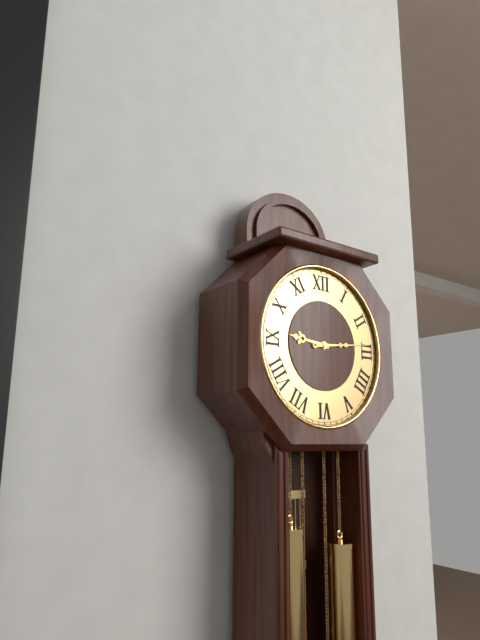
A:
9h14
